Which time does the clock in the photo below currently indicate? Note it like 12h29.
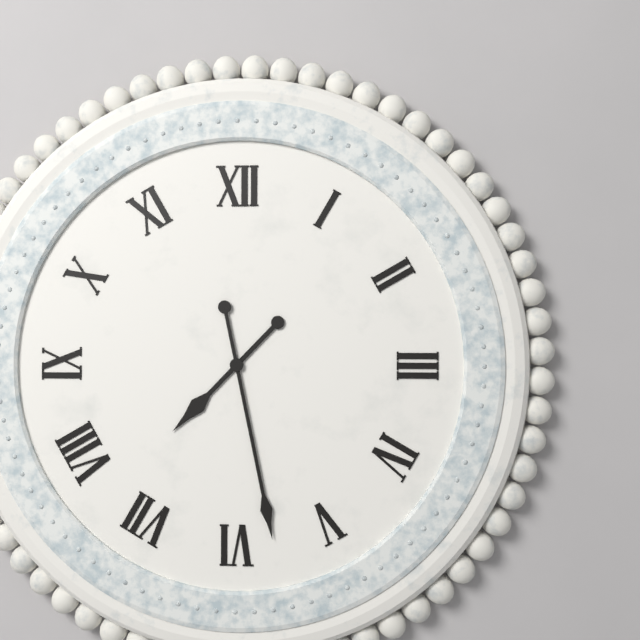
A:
7h28
